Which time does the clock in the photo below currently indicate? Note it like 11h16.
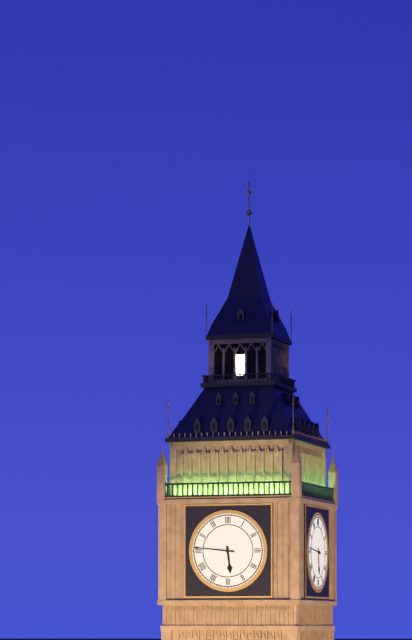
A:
5h46
